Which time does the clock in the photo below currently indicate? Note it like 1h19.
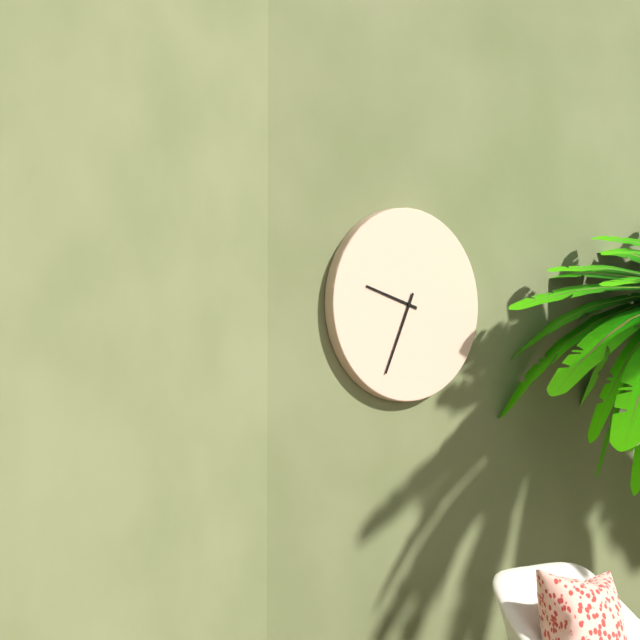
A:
9h34
